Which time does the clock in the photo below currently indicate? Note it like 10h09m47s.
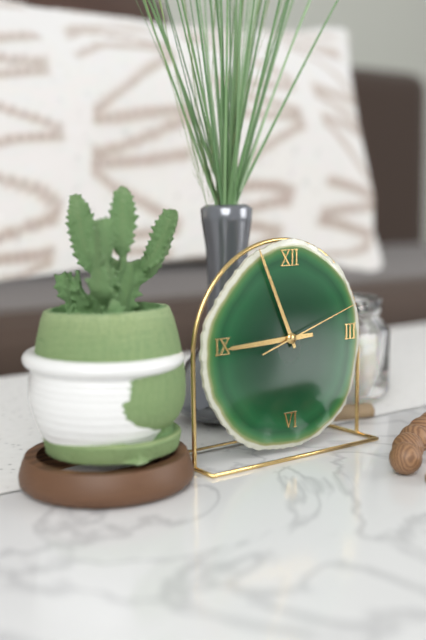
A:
8h56m12s
